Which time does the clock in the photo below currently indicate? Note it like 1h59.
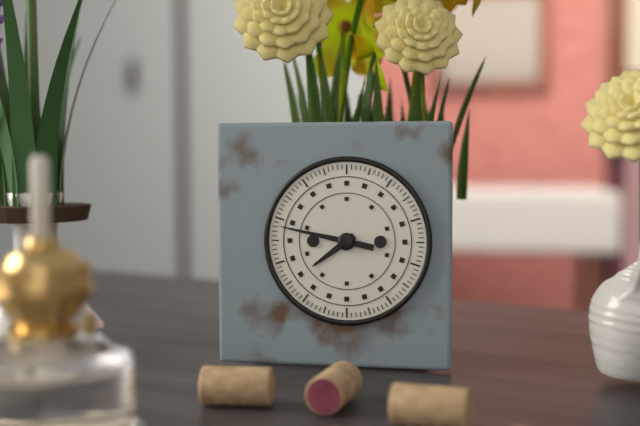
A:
7h47
